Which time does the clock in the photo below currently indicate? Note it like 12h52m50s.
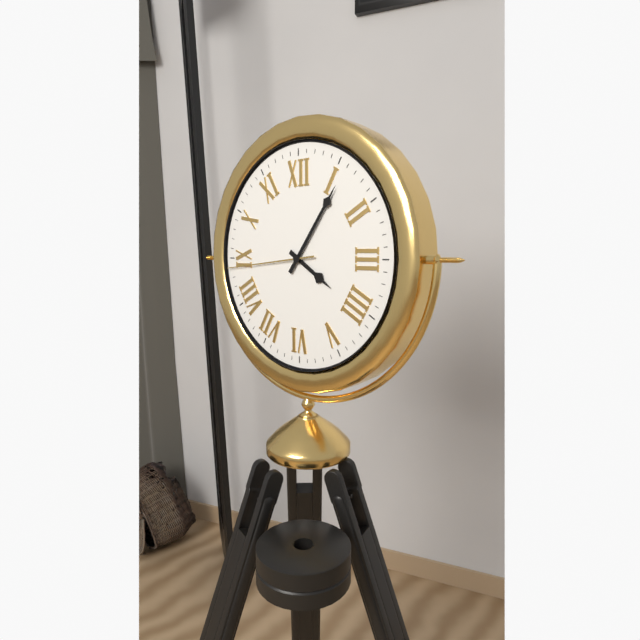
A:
4h06m44s
